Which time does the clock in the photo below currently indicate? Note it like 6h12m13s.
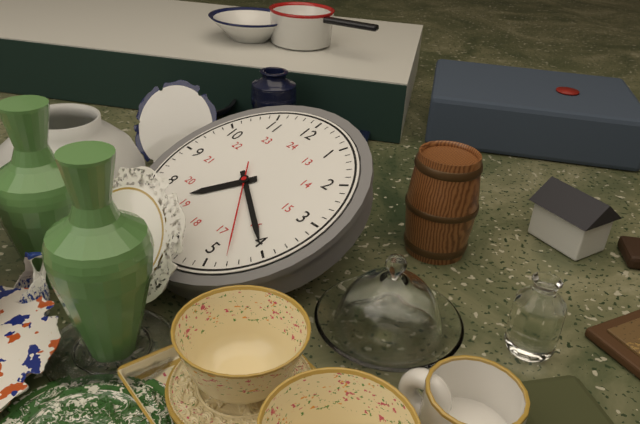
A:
7h20m23s
